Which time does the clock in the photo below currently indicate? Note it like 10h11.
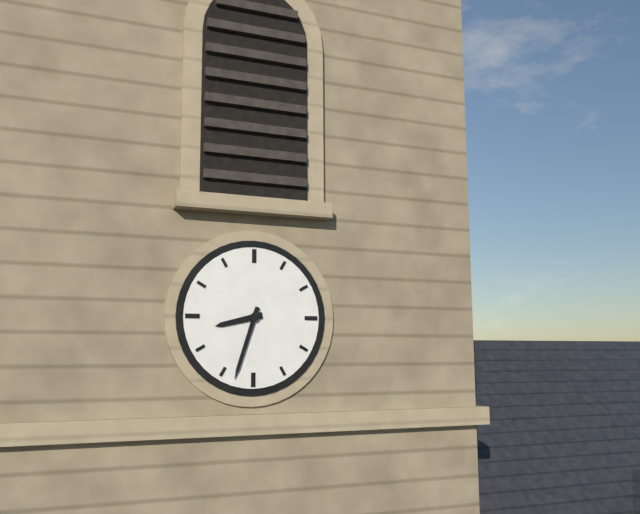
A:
8h33
